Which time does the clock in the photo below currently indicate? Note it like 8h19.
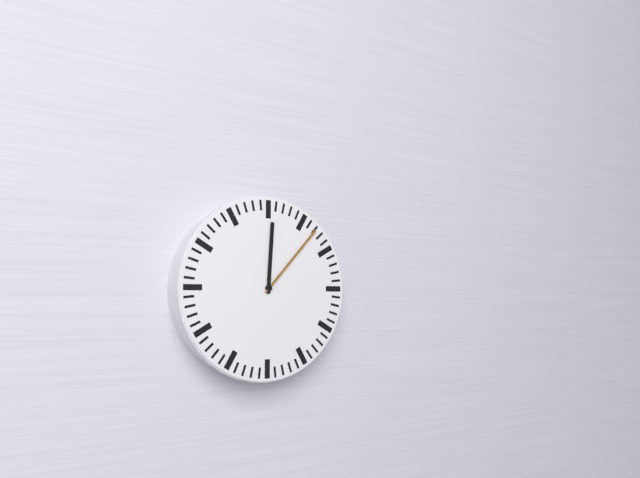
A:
12h07
